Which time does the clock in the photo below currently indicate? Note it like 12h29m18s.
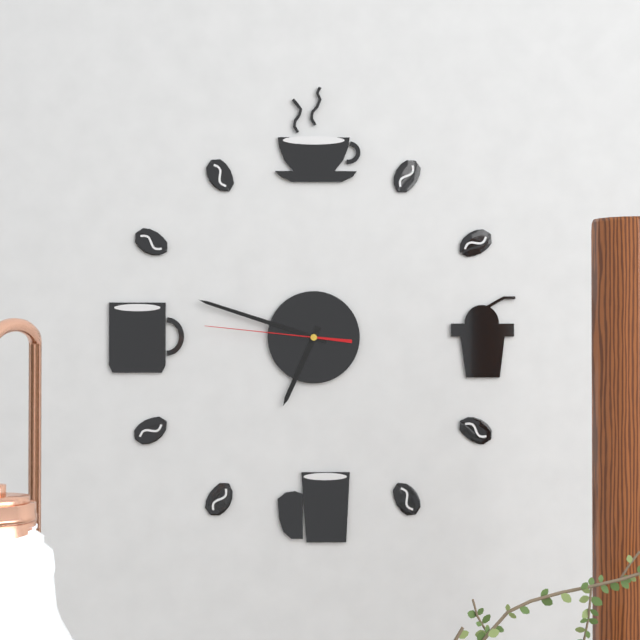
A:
6h48m46s
